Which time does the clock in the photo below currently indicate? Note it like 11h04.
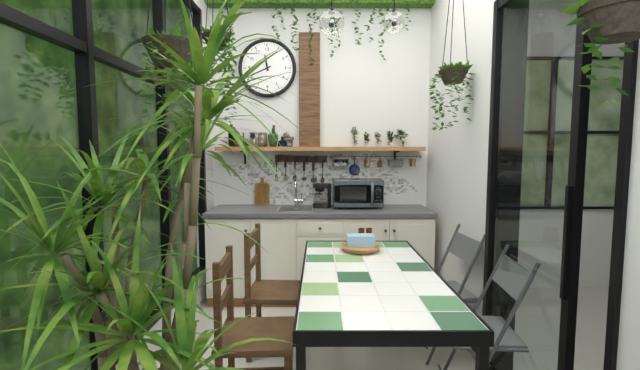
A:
11h41
